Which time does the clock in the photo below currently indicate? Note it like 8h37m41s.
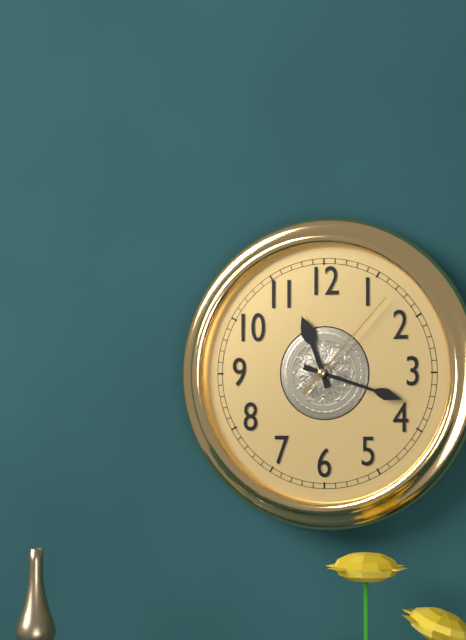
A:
11h18m07s
